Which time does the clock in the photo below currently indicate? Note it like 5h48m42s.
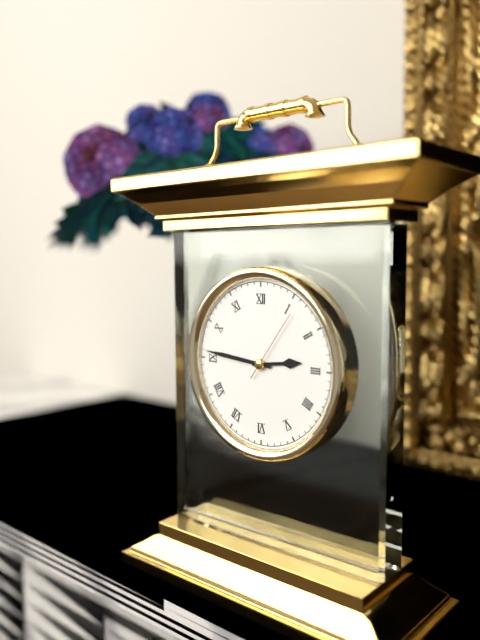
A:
2h46m06s
